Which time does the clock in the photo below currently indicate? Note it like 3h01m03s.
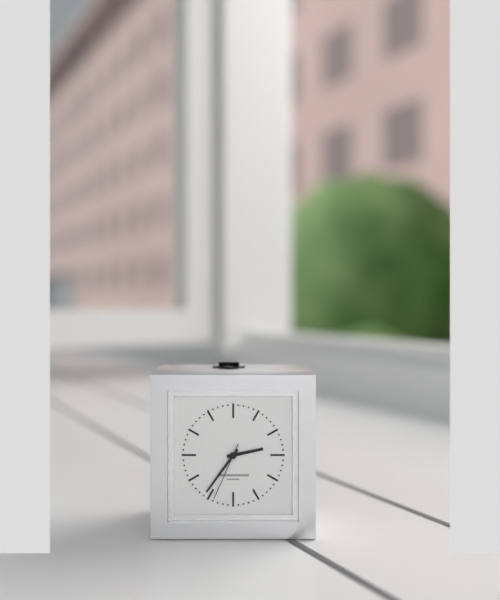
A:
2h36m34s
